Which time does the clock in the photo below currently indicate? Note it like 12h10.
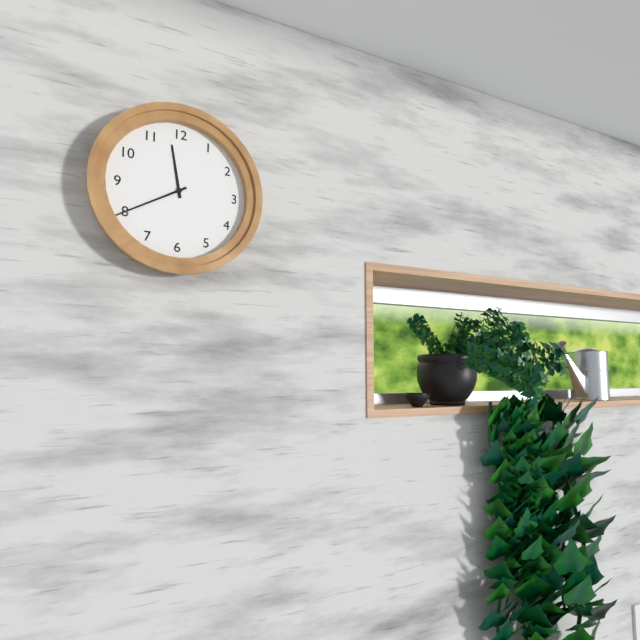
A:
11h40
